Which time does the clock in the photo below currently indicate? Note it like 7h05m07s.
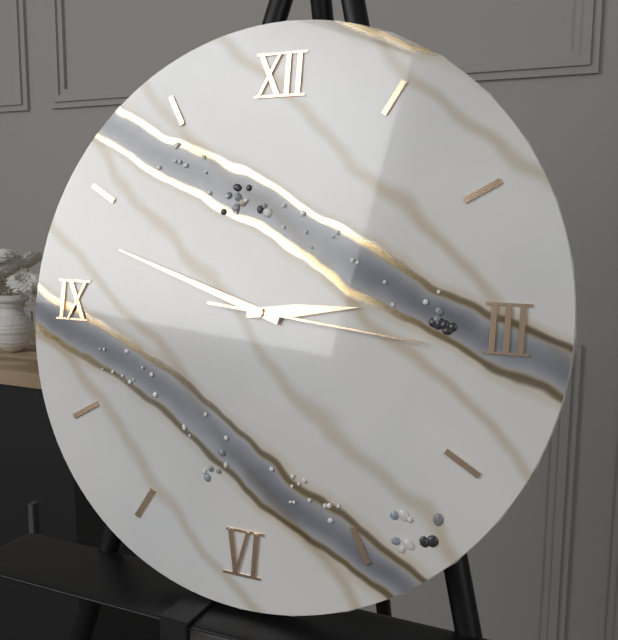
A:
2h48m16s
